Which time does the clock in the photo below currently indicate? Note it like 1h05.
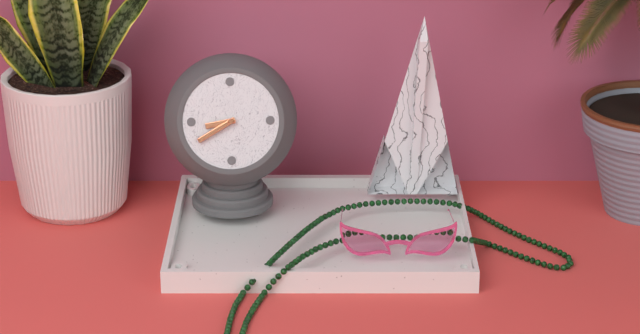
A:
8h40
